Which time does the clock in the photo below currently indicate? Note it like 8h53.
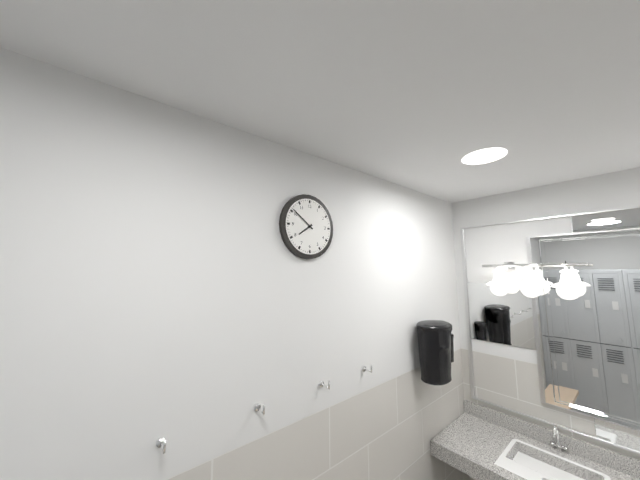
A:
7h51
